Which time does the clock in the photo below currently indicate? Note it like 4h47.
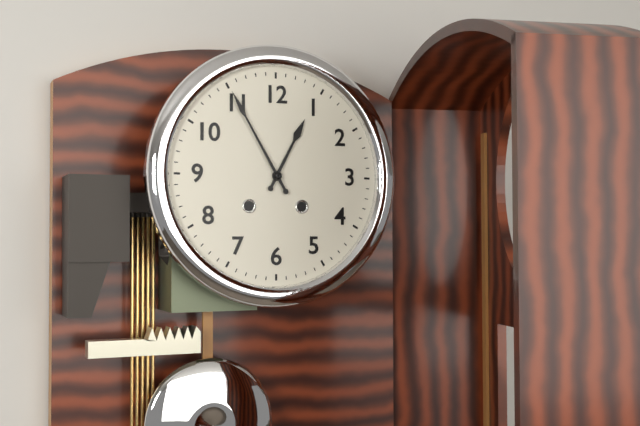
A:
12h55
